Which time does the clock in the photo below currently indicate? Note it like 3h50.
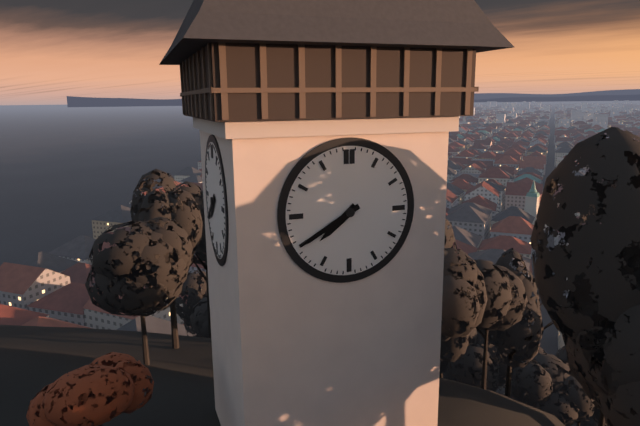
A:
7h40
